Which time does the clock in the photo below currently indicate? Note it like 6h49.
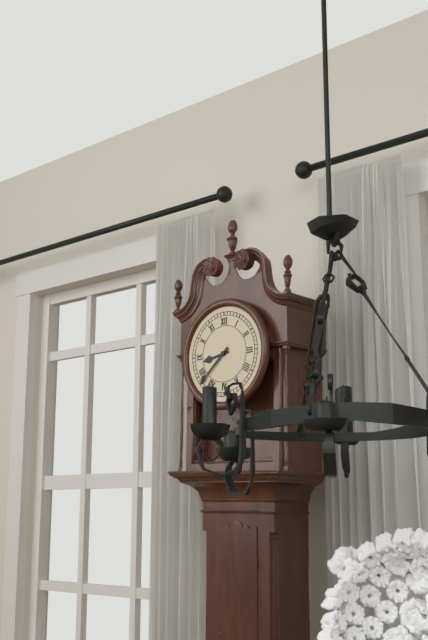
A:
8h38
